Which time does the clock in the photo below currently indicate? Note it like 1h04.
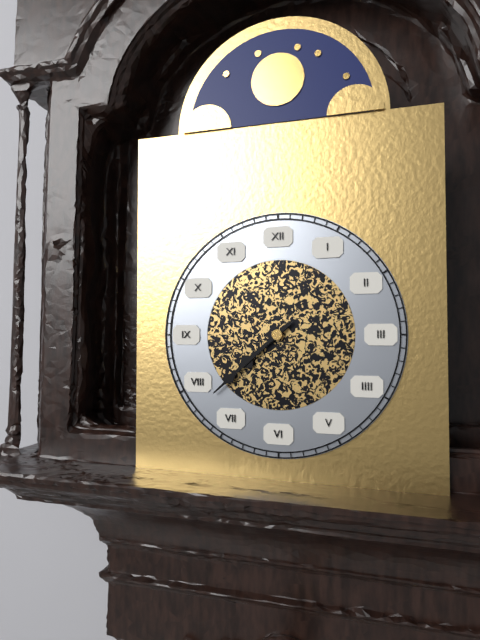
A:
7h38
